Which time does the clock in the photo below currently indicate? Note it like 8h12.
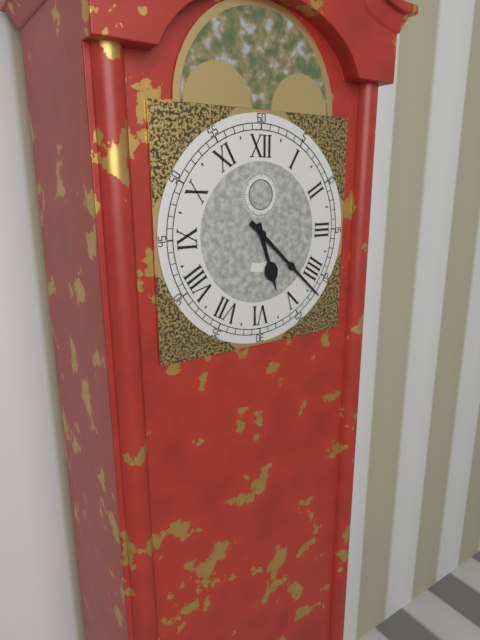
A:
5h22
